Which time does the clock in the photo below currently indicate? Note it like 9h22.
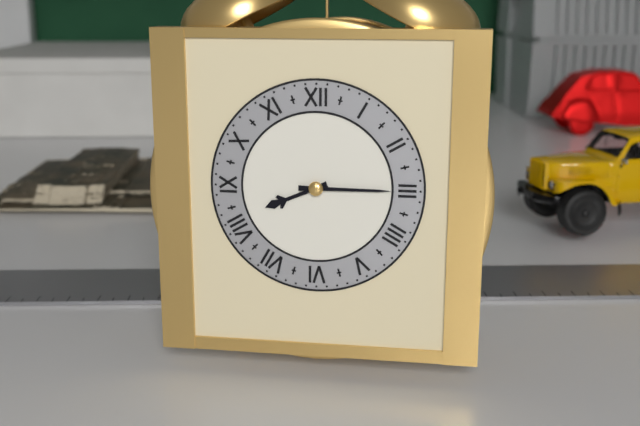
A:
8h15
